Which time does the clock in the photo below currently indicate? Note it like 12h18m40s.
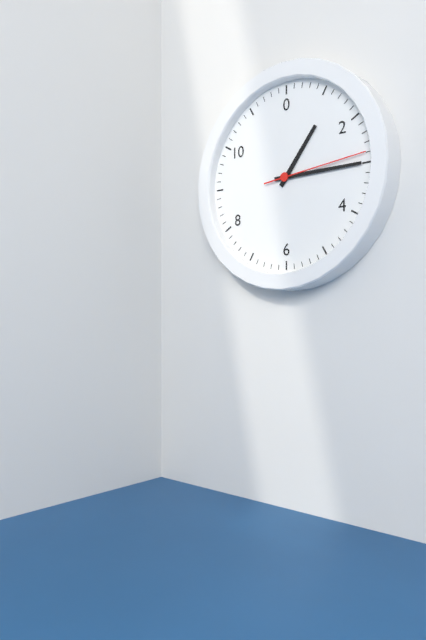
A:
1h15m14s
